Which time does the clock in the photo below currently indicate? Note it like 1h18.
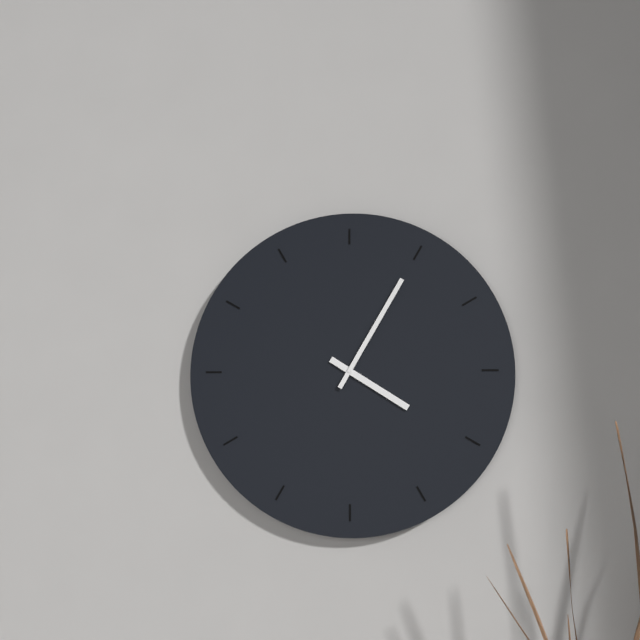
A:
4h05
